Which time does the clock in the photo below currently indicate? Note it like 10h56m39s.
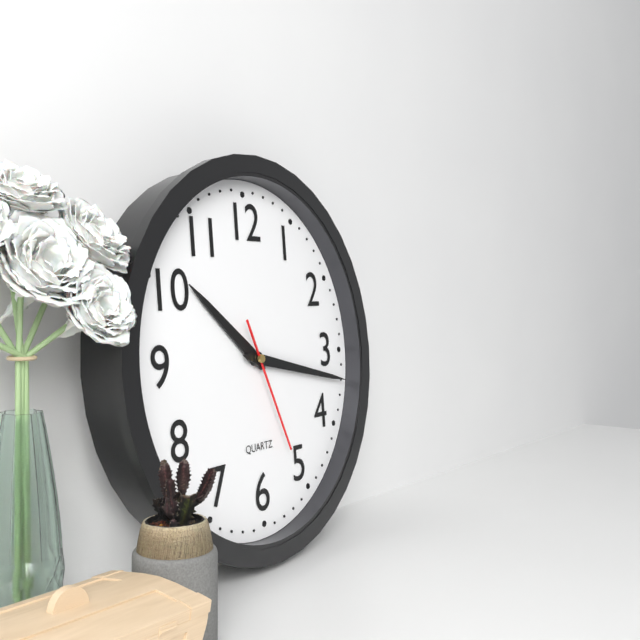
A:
10h17m26s
